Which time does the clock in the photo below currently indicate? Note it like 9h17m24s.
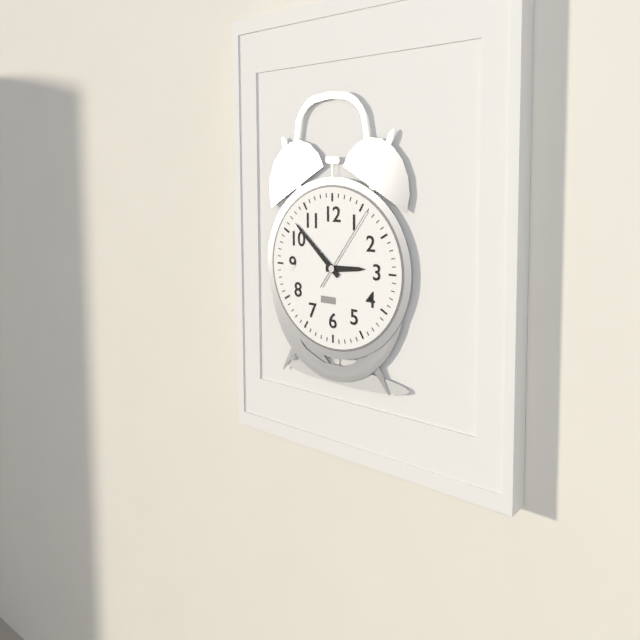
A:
2h52m06s
